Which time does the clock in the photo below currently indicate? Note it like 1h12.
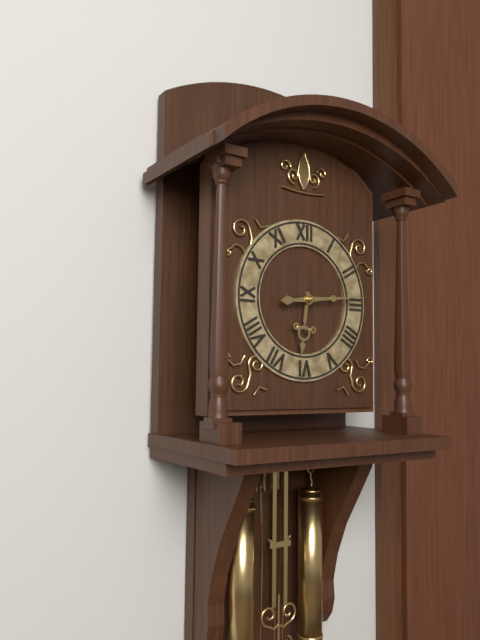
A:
6h14
